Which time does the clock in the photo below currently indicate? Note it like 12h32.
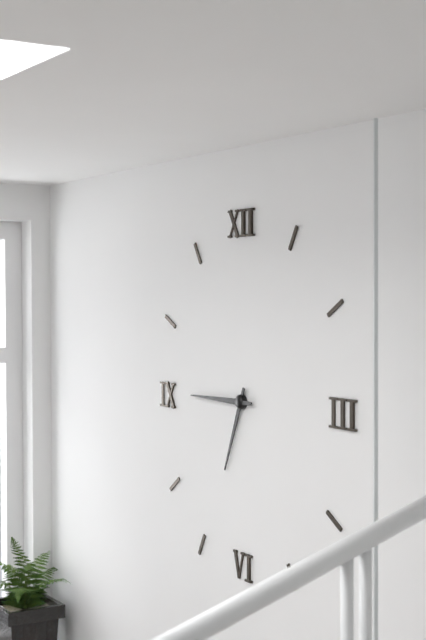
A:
6h45
